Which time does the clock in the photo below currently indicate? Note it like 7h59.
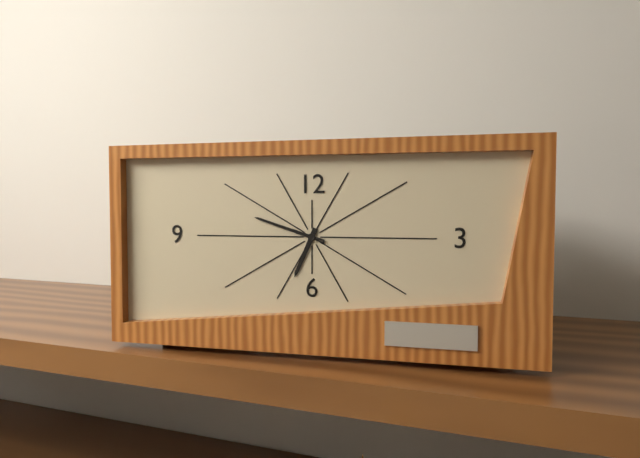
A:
6h48
